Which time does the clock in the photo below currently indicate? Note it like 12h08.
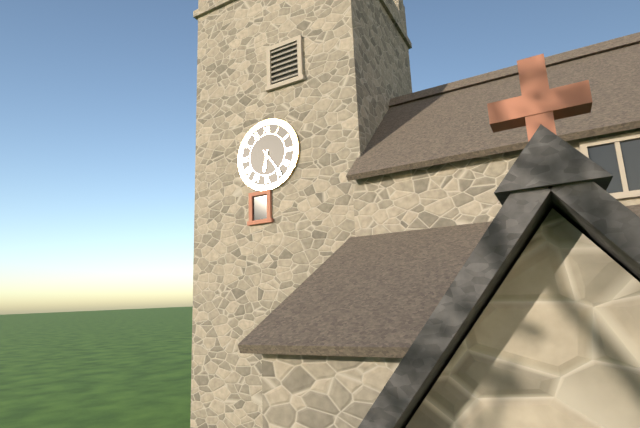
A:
6h24
